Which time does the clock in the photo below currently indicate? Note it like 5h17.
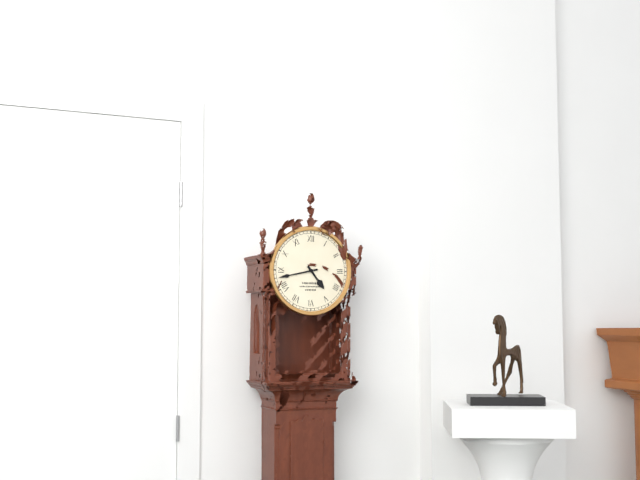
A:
4h43
